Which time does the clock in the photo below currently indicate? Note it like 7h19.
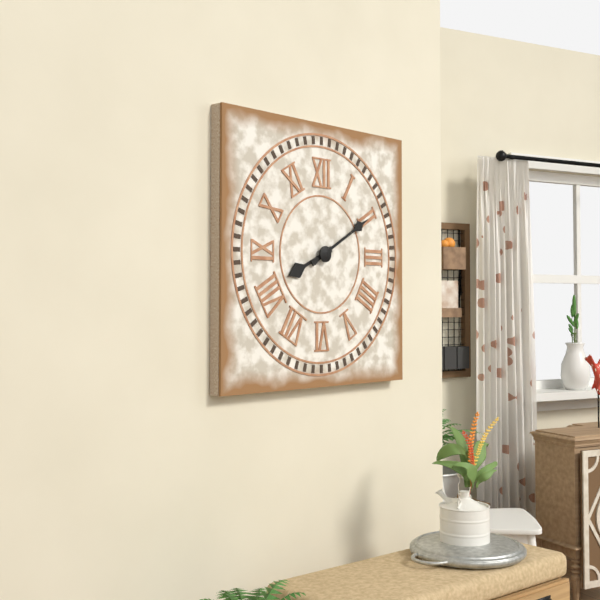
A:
8h10
